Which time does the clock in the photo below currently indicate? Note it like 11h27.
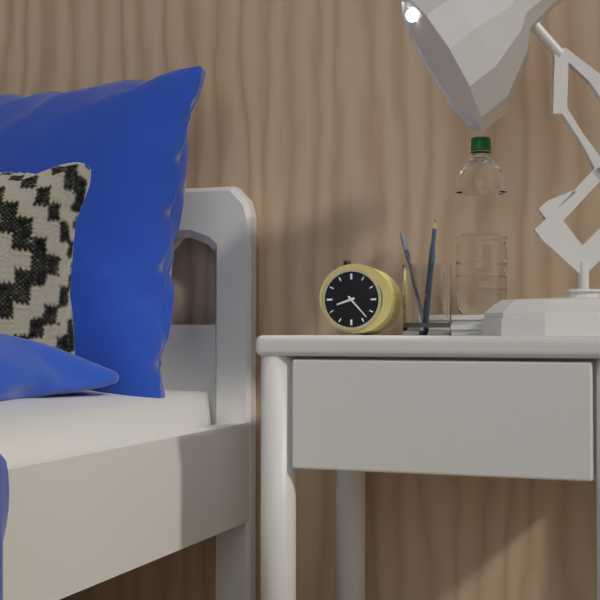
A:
8h23
